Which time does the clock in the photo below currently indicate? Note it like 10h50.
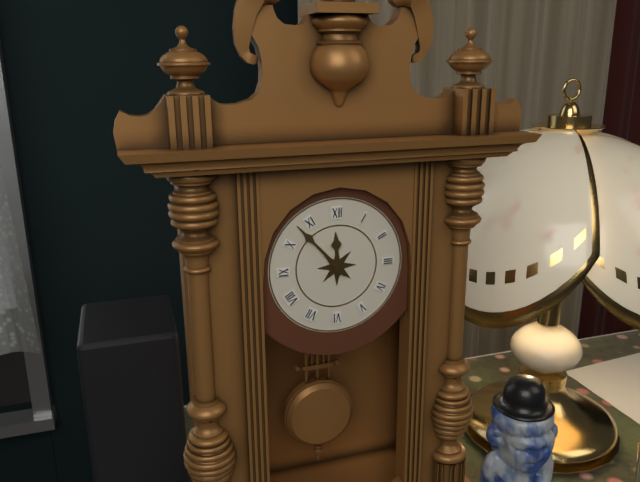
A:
11h53
